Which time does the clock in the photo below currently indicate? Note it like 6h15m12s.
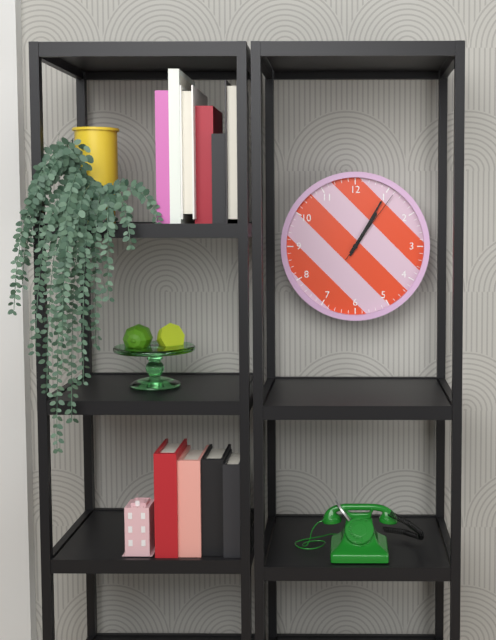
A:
1h05m06s
